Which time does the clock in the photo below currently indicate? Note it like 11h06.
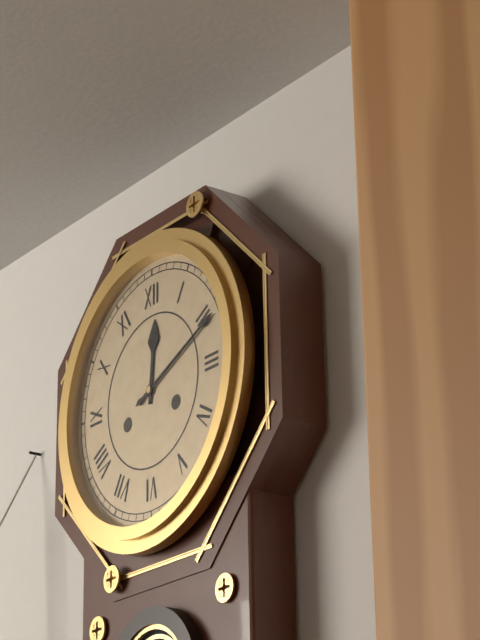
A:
12h11
